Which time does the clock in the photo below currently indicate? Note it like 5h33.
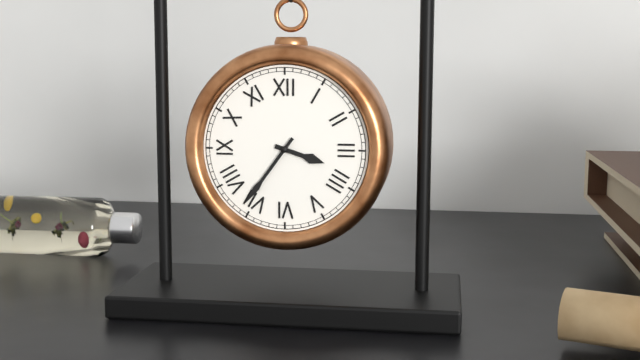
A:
3h36
